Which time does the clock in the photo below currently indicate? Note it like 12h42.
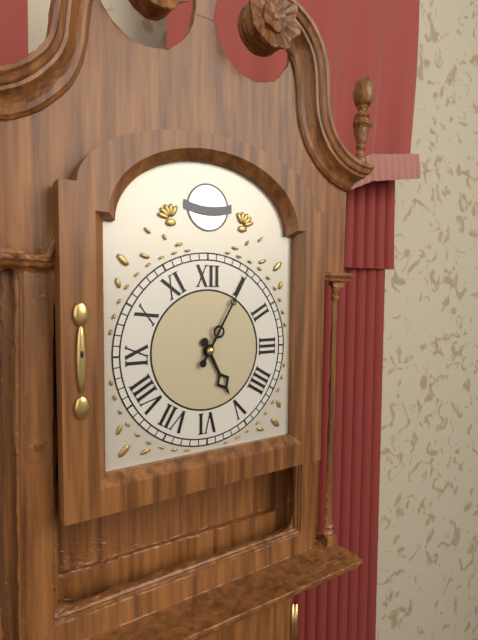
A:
5h05
